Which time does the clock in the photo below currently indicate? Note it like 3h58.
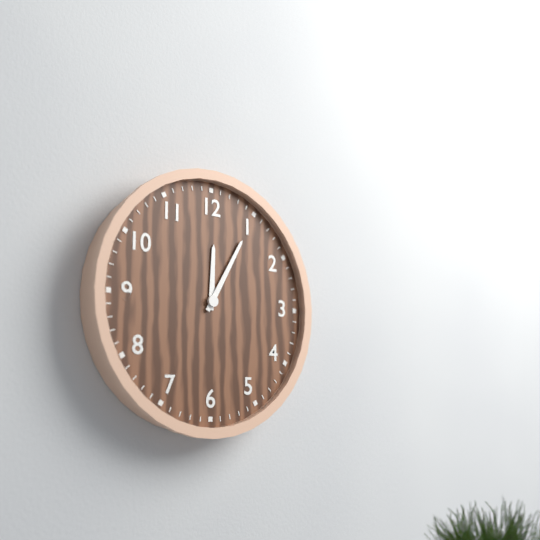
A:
12h05
